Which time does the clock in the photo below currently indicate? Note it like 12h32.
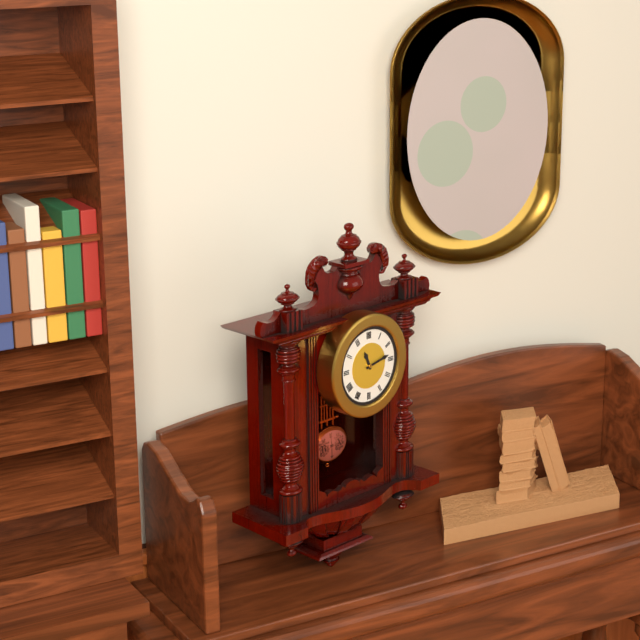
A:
11h13
